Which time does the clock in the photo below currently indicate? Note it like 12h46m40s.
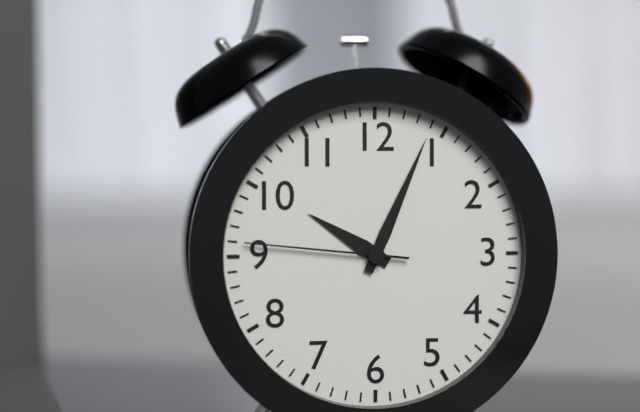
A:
10h04m46s
